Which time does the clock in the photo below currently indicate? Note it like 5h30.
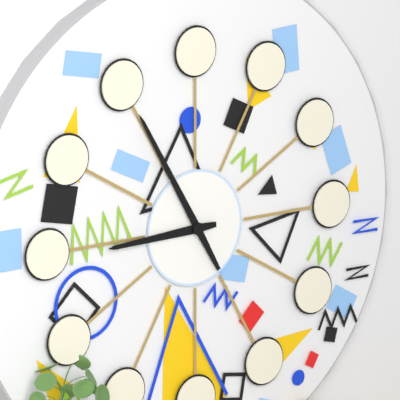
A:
8h55
